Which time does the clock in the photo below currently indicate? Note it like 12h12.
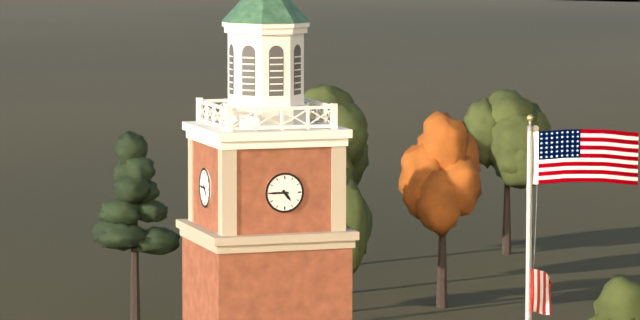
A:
4h45
